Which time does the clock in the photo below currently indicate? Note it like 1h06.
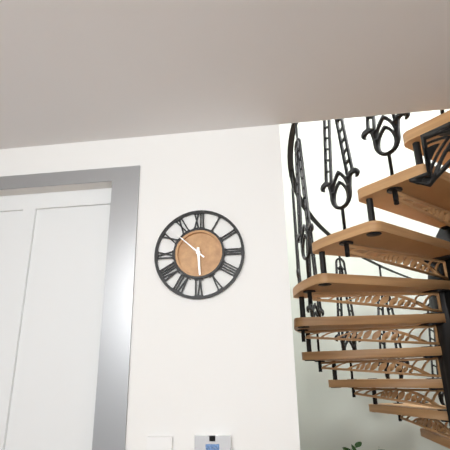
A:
5h52
